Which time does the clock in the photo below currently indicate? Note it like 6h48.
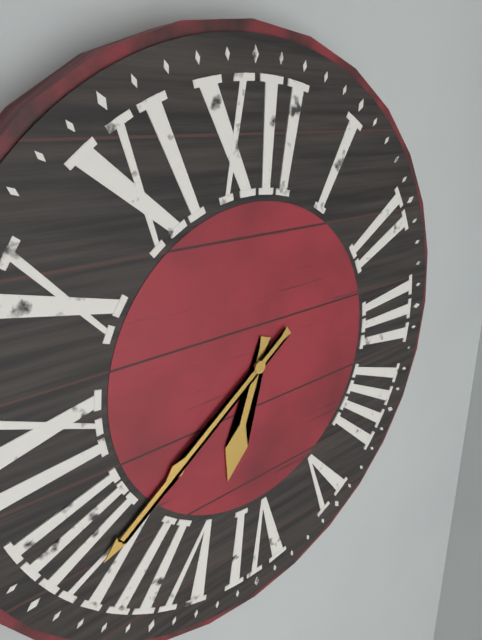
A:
6h39
